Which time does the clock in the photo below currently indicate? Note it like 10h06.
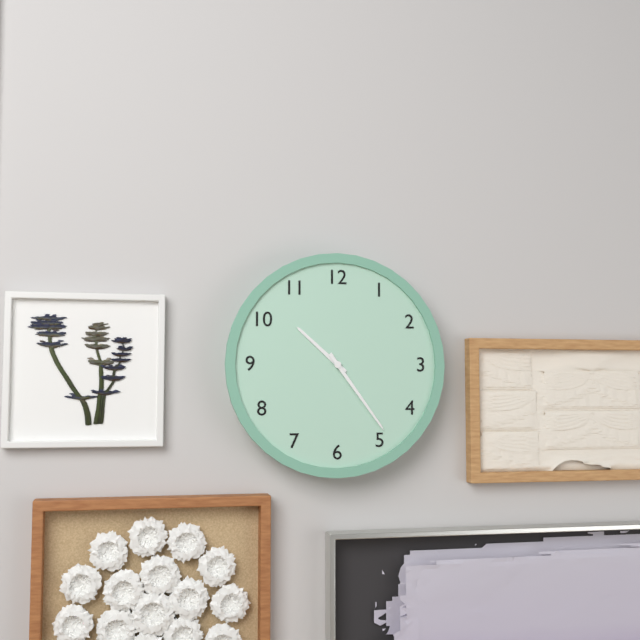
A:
10h24
